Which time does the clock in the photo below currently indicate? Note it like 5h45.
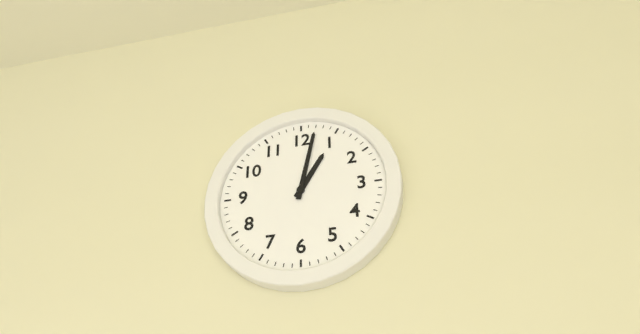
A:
1h02
